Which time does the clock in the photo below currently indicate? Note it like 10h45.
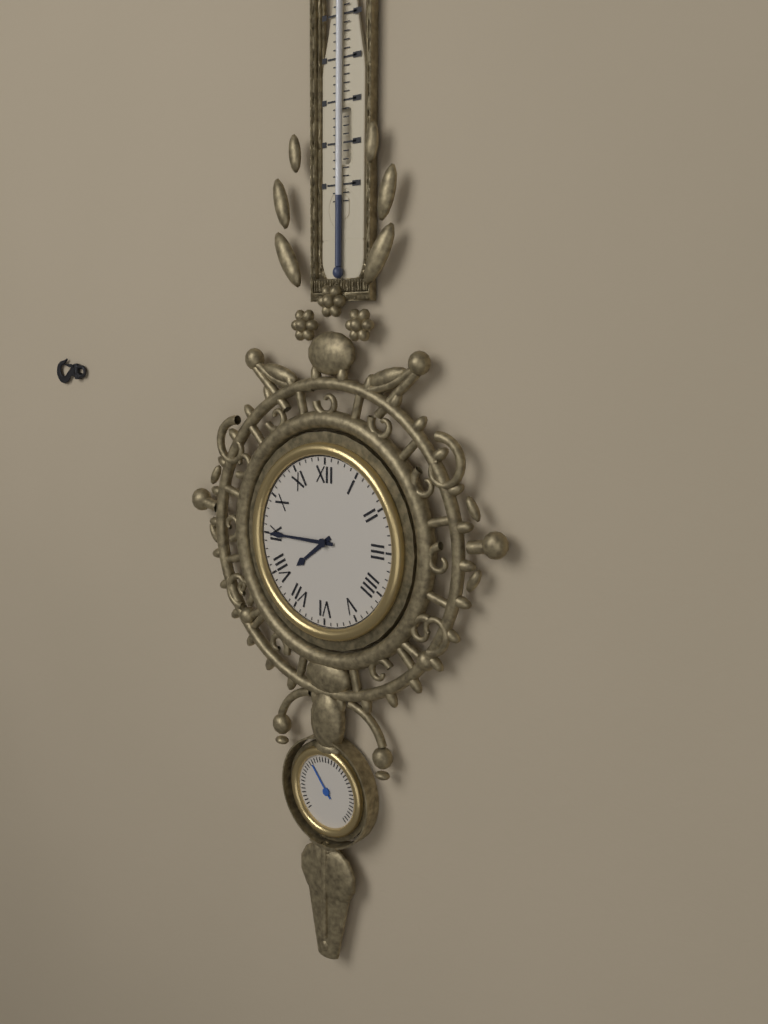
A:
7h45
